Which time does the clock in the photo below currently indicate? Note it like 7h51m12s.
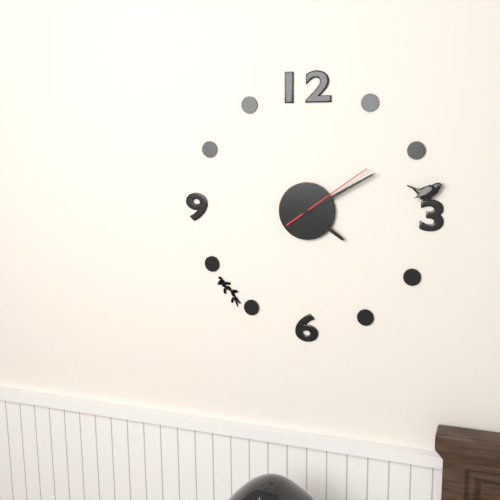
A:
4h10m09s
